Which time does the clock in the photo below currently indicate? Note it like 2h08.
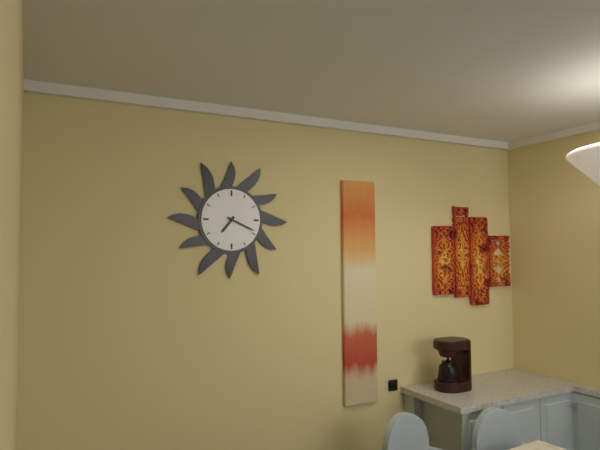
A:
7h19
